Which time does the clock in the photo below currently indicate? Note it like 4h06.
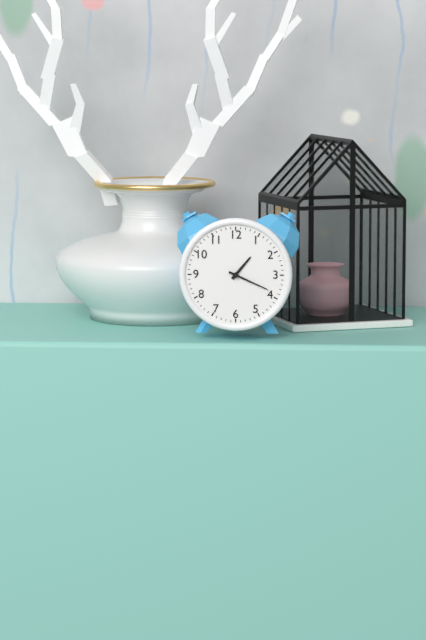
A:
1h19
